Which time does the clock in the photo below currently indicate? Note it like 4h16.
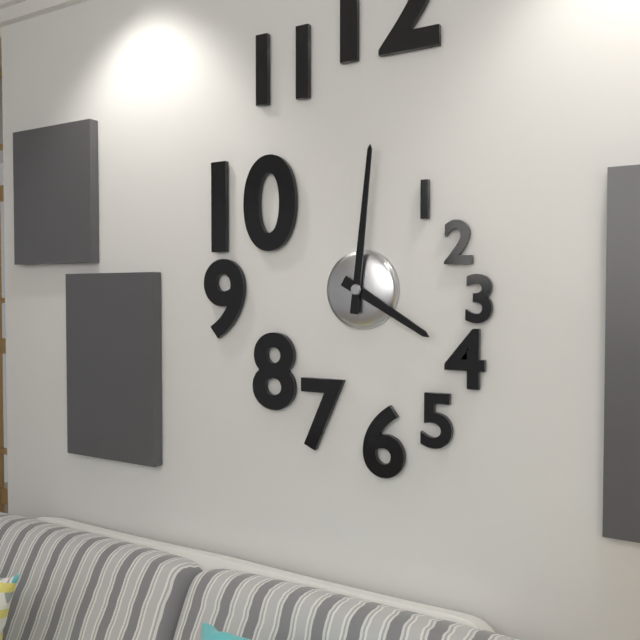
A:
4h01
